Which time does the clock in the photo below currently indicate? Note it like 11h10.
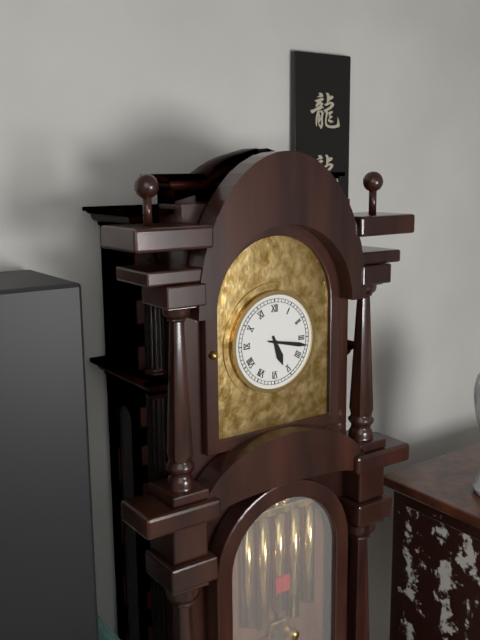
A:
5h17
